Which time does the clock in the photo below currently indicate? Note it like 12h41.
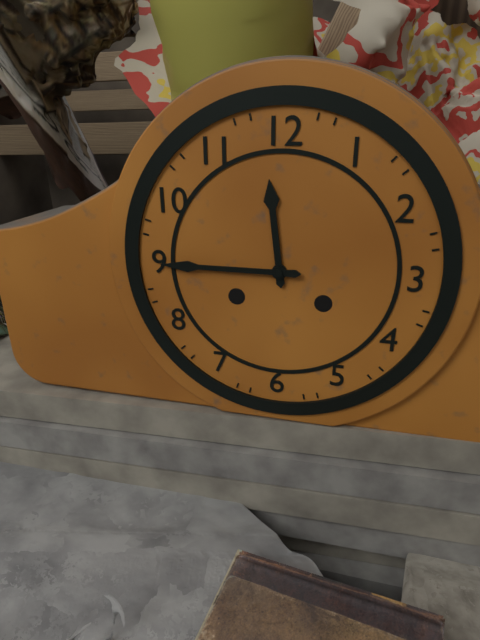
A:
11h45
